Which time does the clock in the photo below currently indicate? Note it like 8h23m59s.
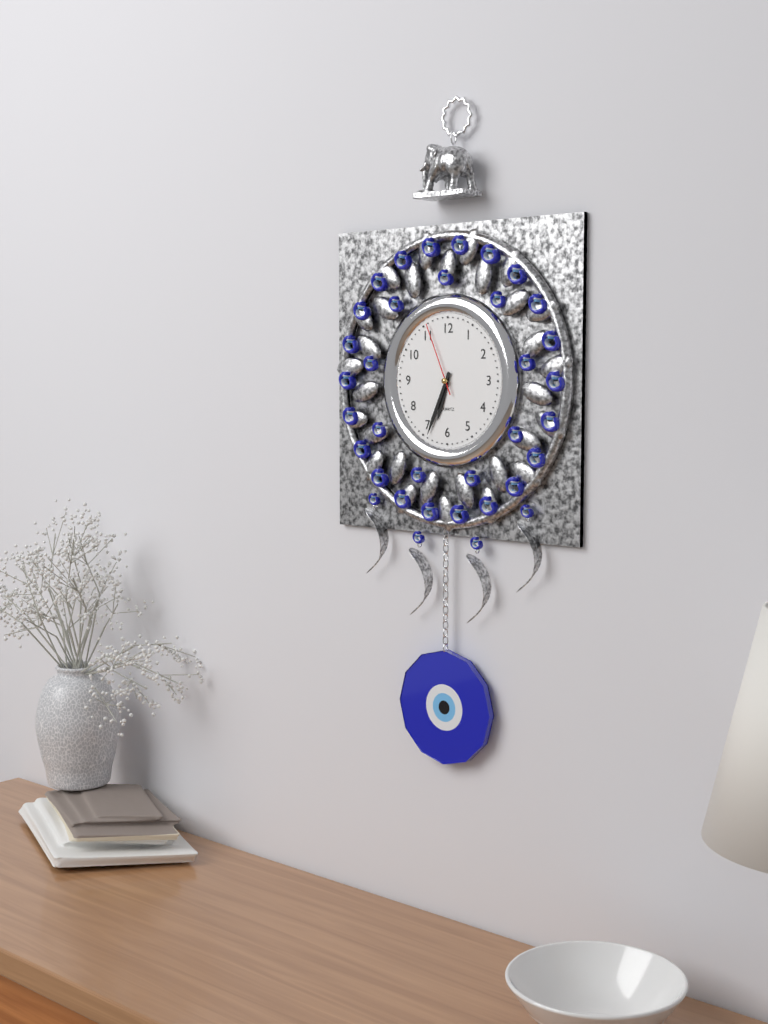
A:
6h34m56s
